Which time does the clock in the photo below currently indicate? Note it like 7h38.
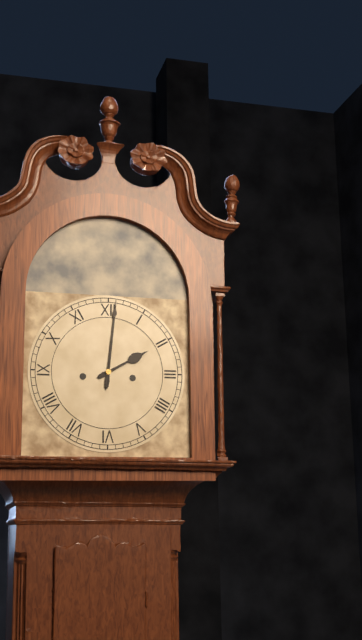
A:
2h01
